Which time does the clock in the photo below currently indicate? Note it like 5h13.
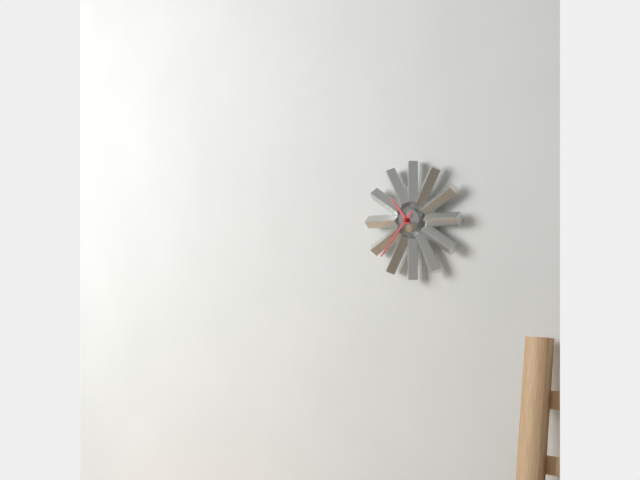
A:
10h37
